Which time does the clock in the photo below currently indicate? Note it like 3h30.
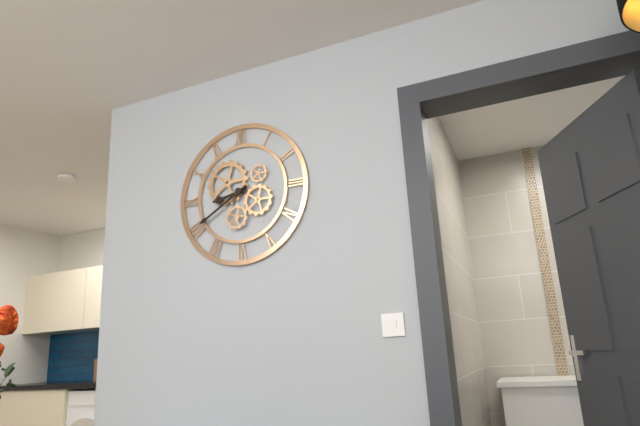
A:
8h40
